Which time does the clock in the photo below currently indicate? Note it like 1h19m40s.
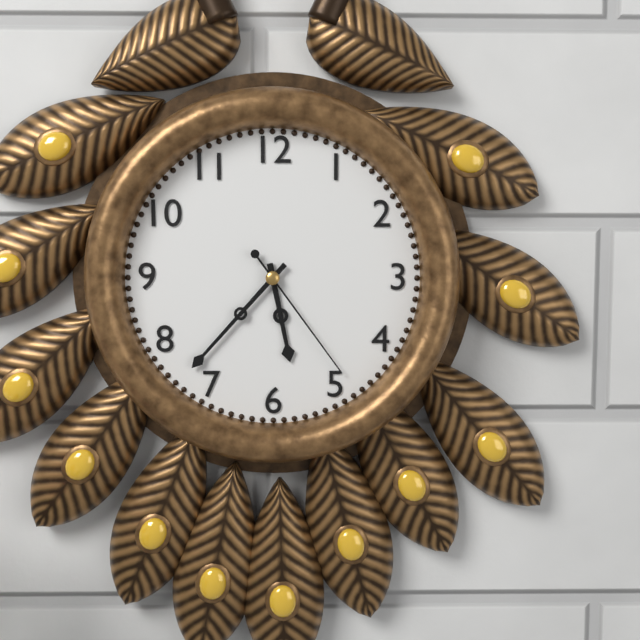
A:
5h37m24s
